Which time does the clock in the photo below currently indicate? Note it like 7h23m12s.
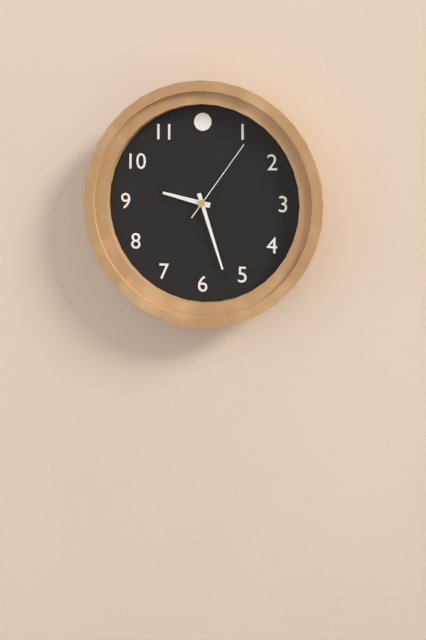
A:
9h27m06s
